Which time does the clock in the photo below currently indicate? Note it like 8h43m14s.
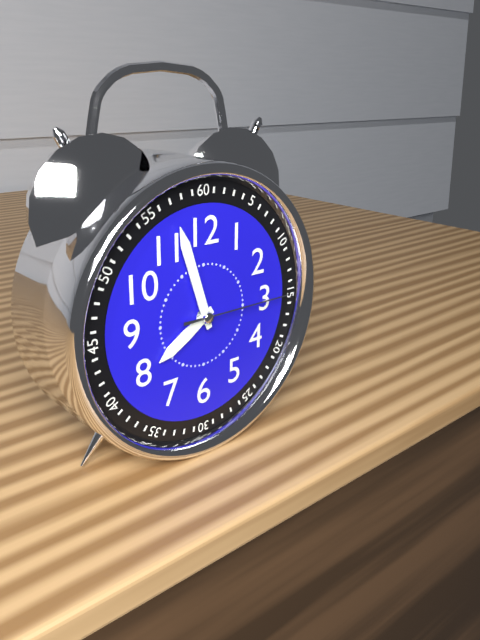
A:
7h57m15s
